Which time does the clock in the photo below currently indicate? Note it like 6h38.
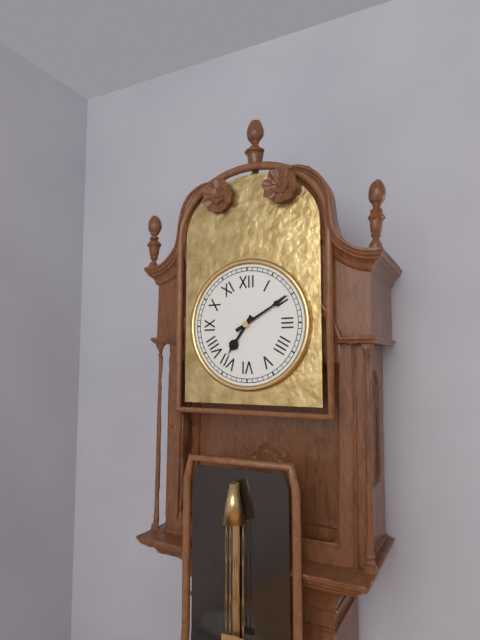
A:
7h10
